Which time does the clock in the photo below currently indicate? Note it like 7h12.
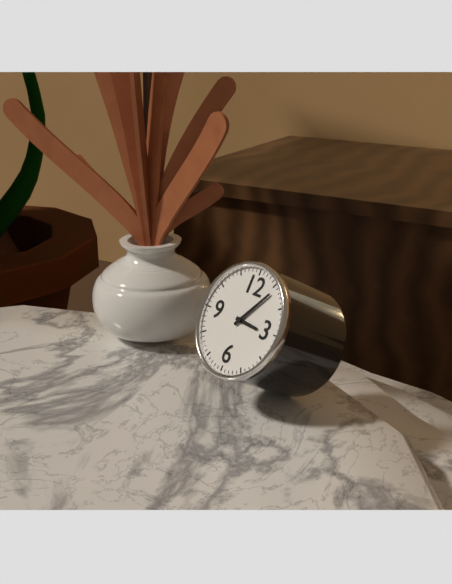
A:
3h06
